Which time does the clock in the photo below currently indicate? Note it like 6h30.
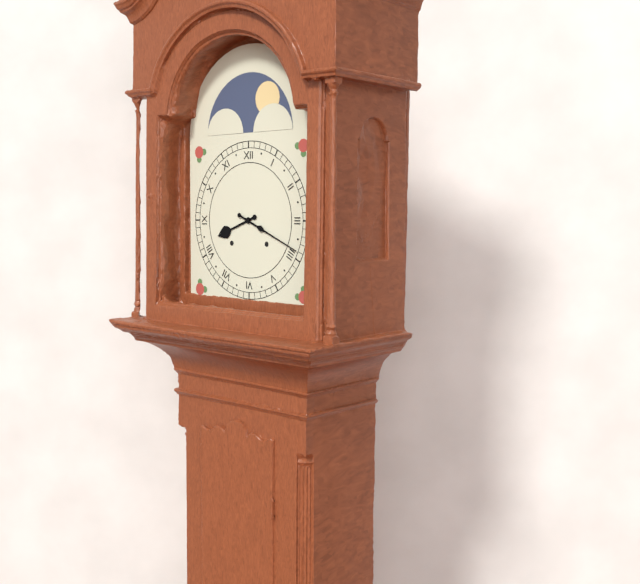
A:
8h19
